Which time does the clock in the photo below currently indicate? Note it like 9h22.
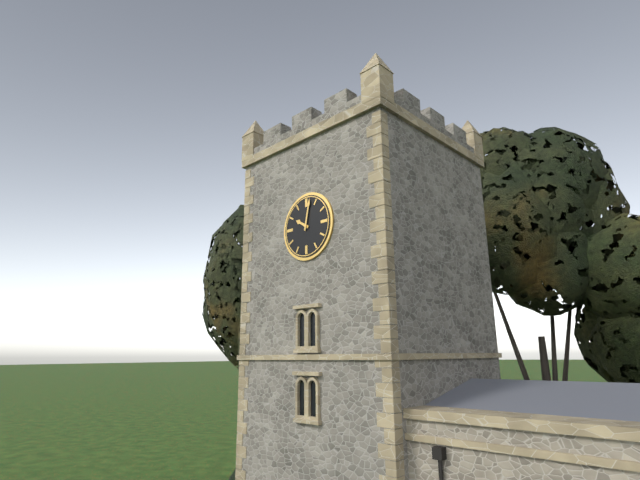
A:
10h02
